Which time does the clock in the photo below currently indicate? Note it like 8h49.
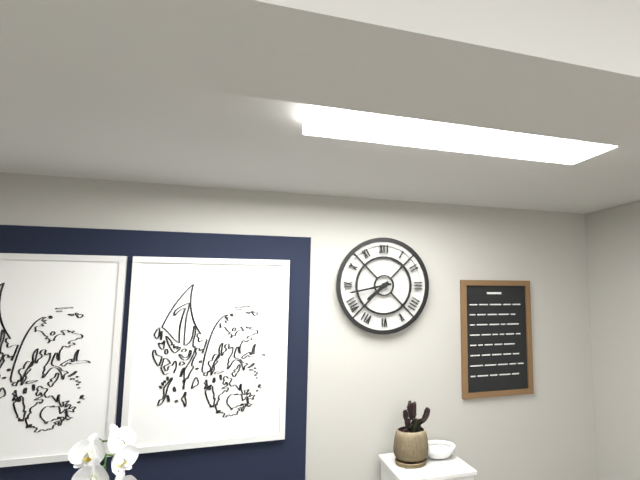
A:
7h43
